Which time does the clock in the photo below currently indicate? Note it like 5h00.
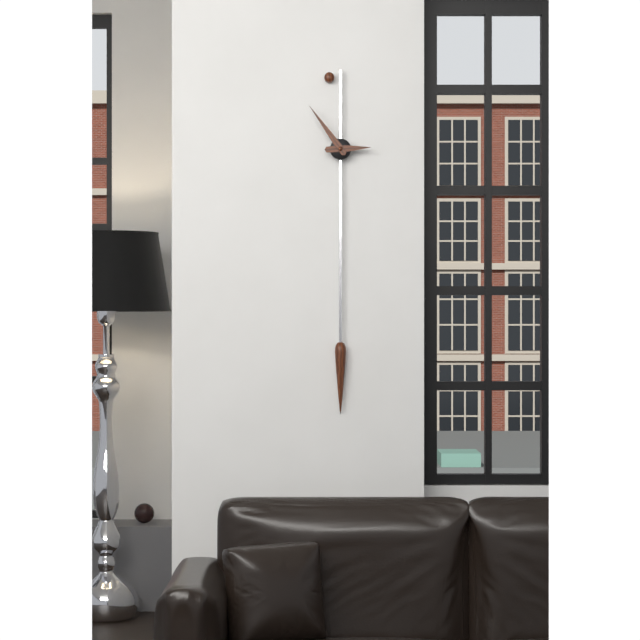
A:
2h54
